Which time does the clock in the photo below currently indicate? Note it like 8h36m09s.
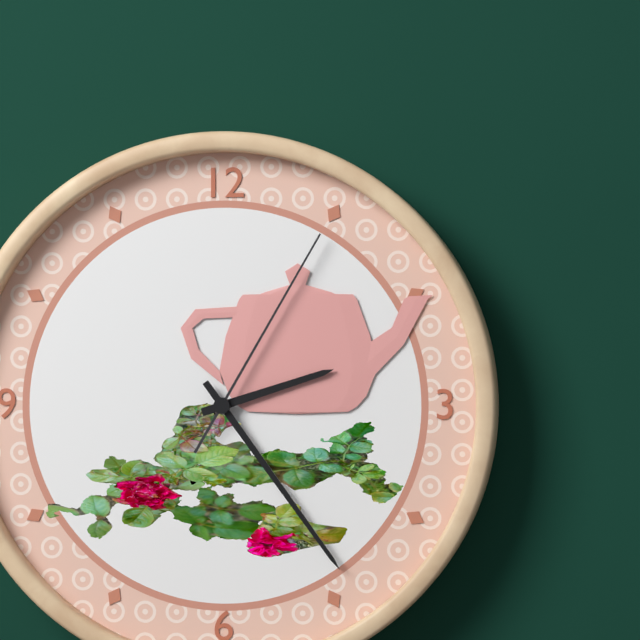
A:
2h24m05s
